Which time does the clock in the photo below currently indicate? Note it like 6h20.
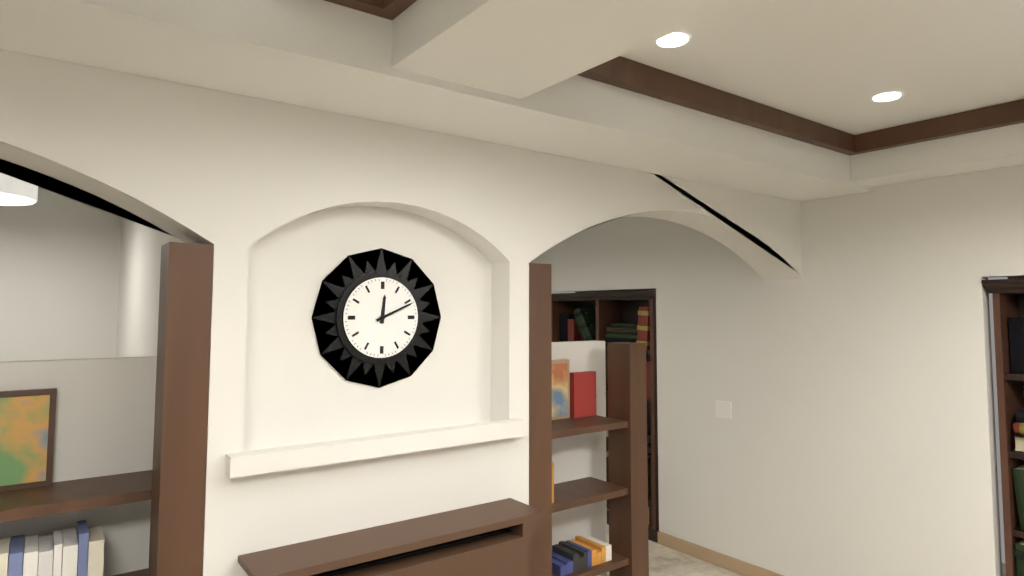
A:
12h11
